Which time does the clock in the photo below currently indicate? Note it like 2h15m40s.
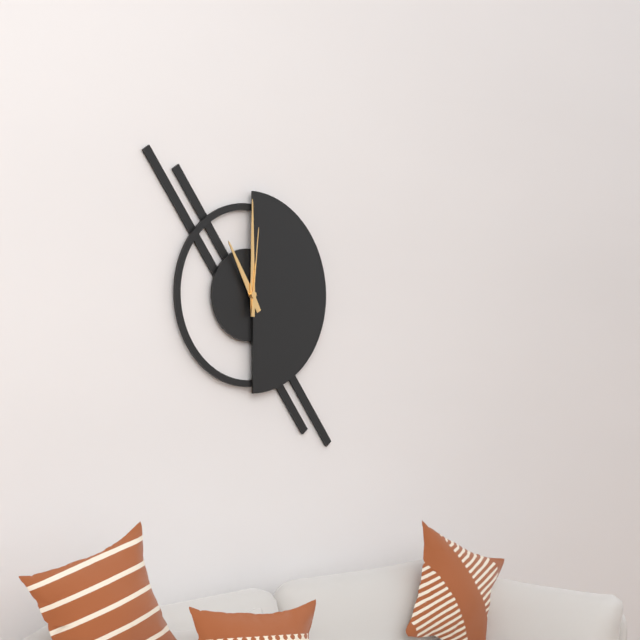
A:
11h00m01s
